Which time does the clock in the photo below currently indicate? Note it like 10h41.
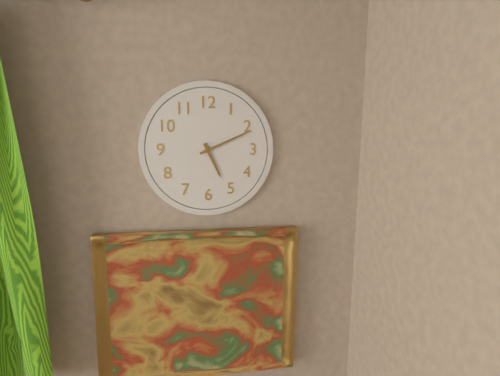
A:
5h11
